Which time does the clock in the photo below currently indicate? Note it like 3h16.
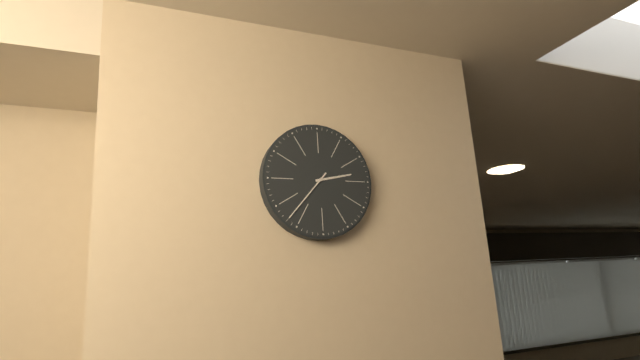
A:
2h37
